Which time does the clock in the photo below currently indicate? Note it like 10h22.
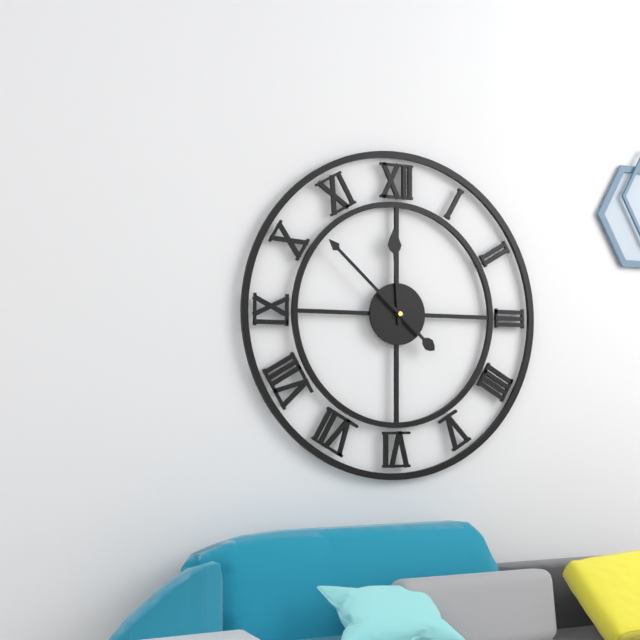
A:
11h52
